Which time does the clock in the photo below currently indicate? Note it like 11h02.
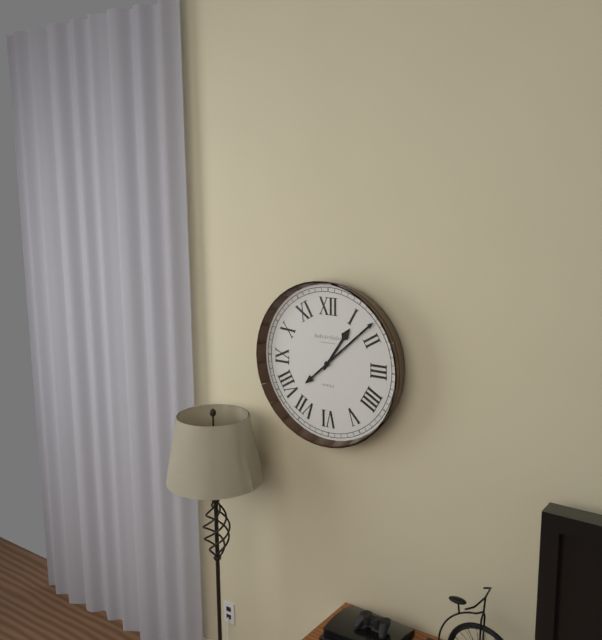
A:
1h08
